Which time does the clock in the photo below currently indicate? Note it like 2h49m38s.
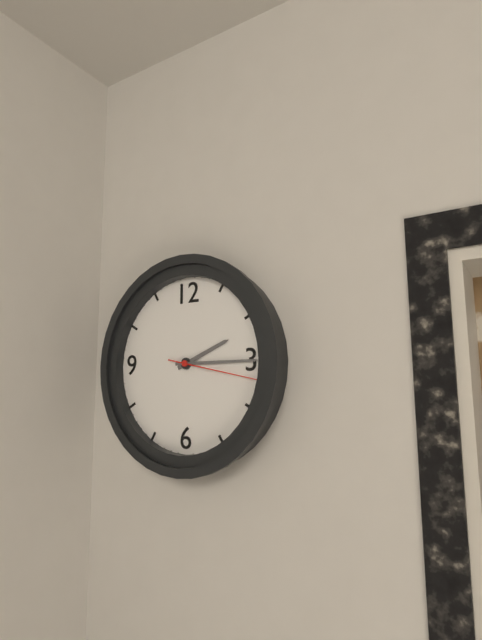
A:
2h15m17s
